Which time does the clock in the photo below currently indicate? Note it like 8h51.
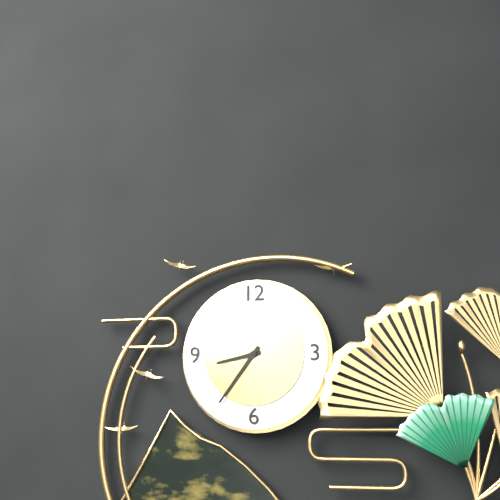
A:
8h36
